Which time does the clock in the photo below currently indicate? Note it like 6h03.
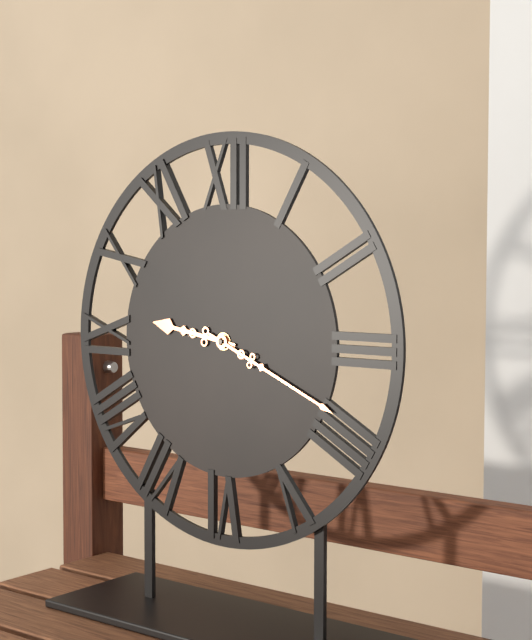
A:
9h19
